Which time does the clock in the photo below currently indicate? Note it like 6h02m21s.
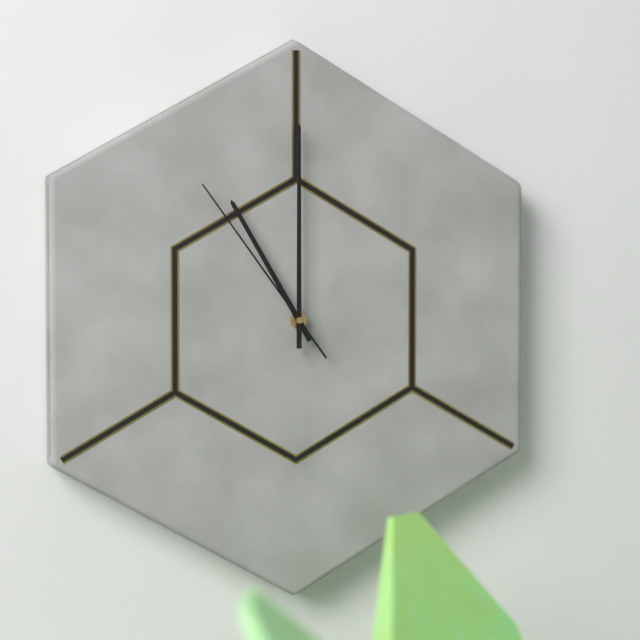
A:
11h00m54s
